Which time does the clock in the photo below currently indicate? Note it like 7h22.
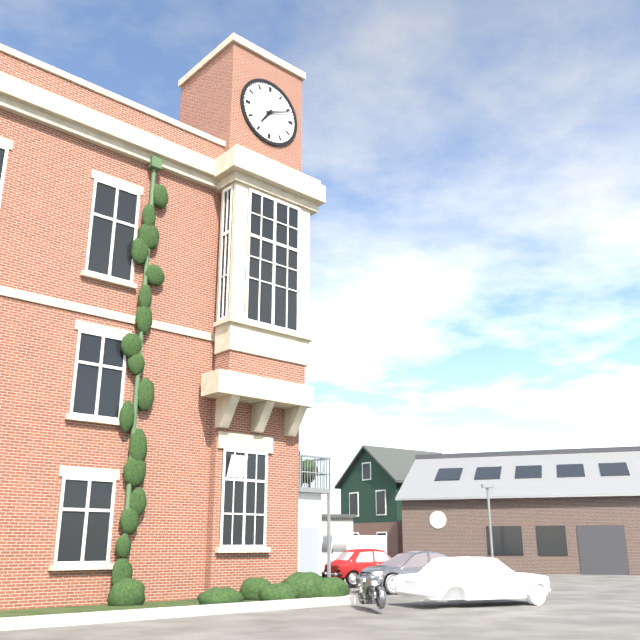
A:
7h11
